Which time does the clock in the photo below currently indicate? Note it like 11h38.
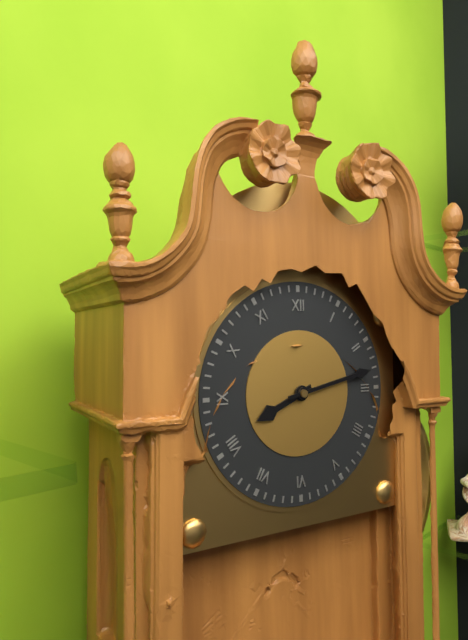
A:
8h13
